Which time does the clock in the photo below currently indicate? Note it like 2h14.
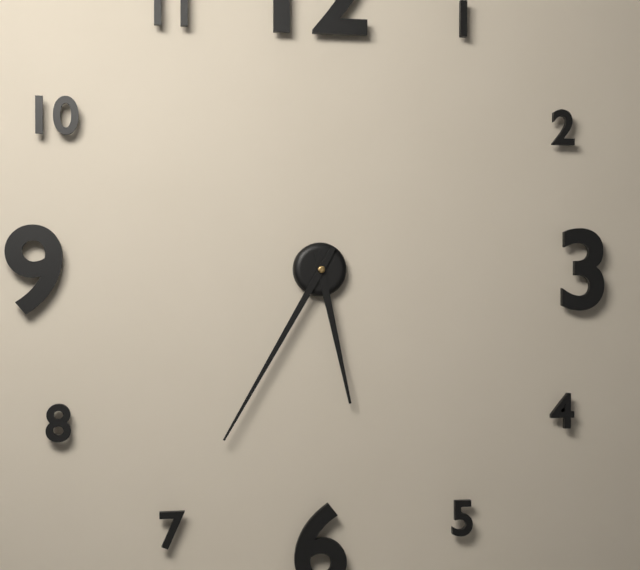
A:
5h35
